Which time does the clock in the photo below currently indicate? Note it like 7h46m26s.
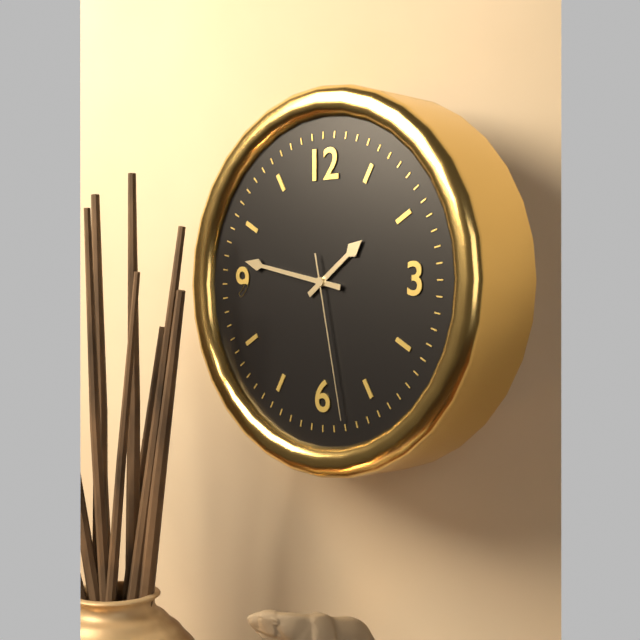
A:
1h47m28s
